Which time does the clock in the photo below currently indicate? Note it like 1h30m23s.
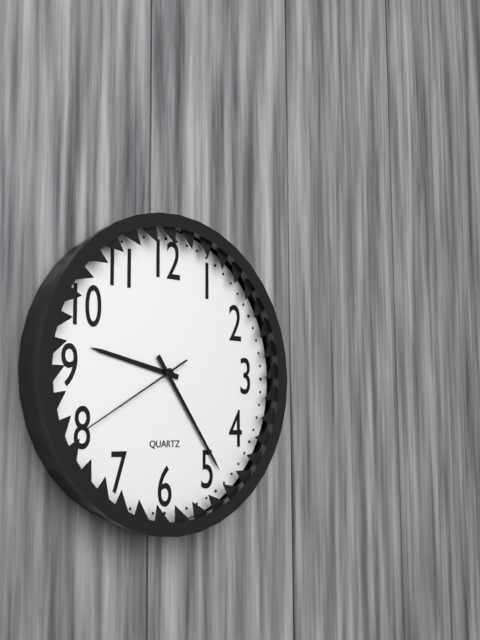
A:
9h24m40s
